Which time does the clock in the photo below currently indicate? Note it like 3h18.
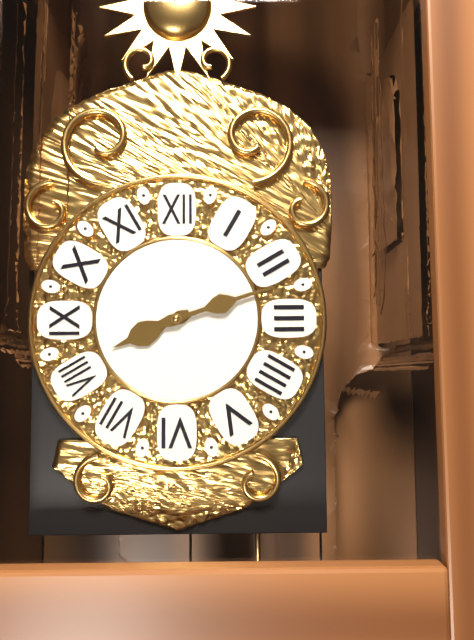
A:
8h12
